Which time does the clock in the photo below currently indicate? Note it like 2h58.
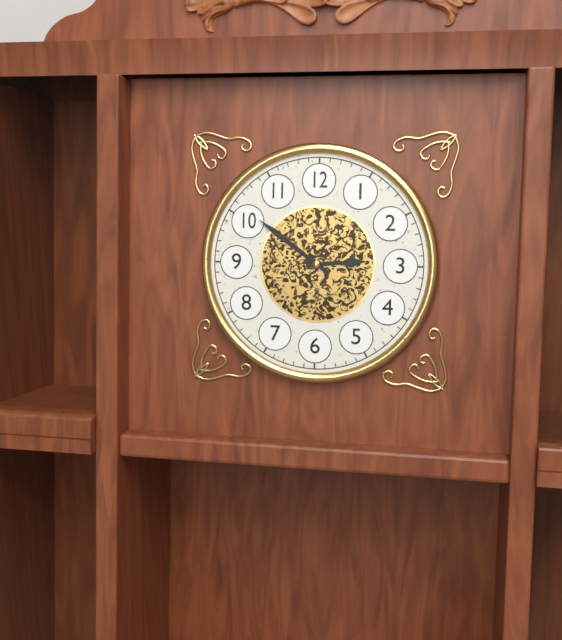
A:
2h51
